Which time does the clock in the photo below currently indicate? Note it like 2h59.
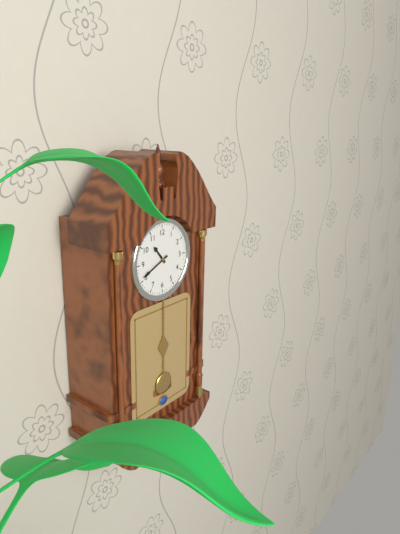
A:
10h41
